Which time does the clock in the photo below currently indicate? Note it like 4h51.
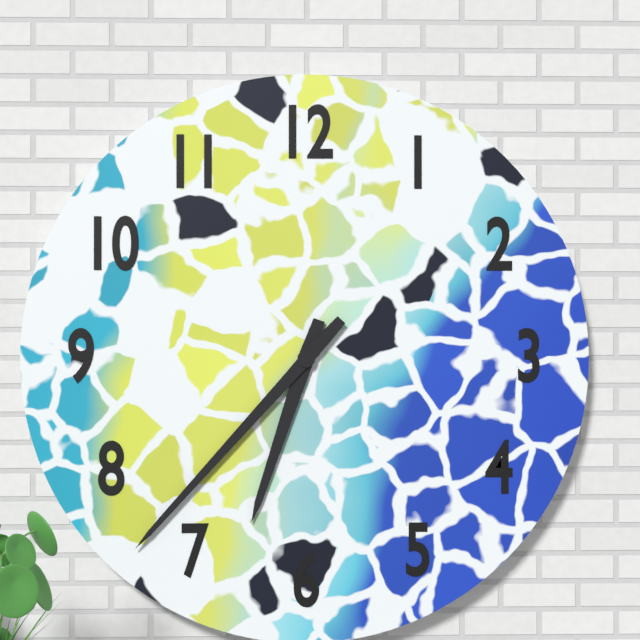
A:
6h37
